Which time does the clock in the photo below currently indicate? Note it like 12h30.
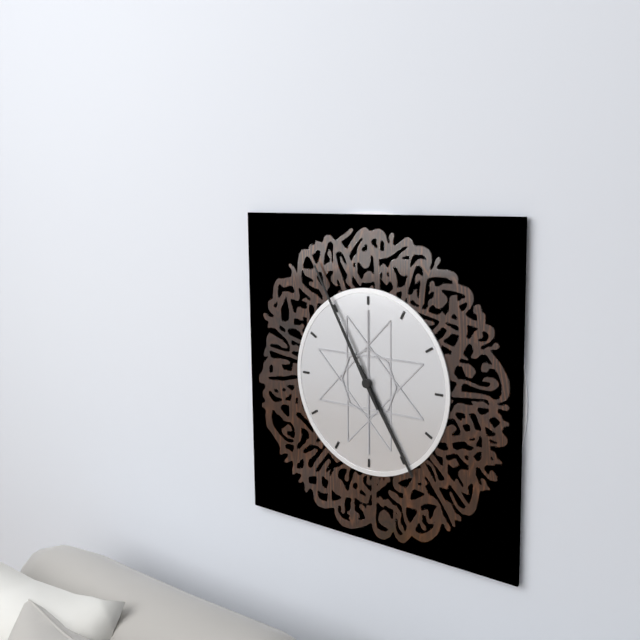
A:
4h55
